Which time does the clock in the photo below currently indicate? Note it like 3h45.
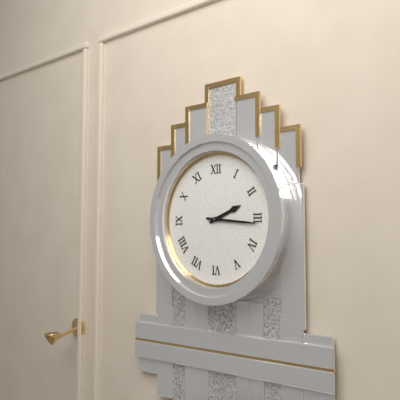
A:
2h16
